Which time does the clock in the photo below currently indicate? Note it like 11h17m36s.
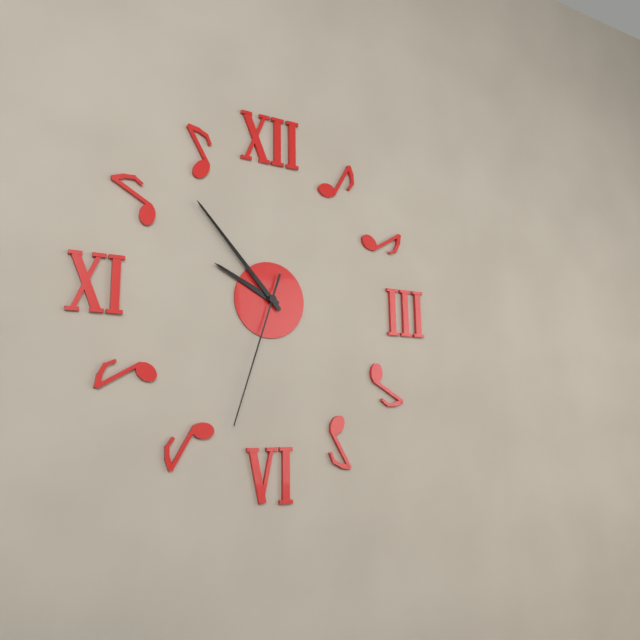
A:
9h53m33s
